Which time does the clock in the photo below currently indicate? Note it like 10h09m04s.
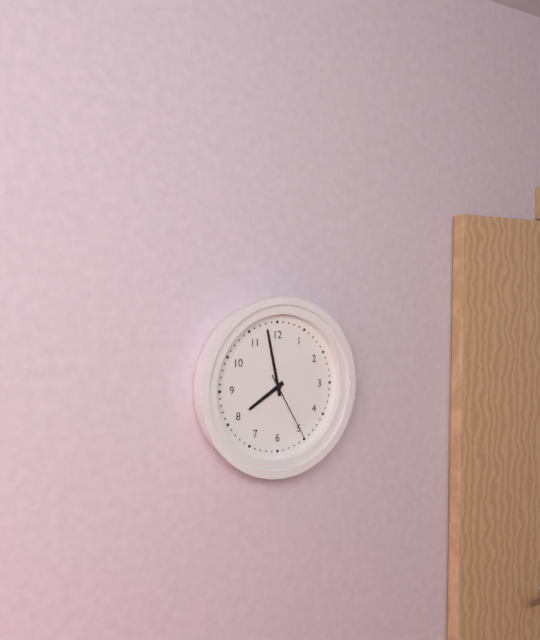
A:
7h58m25s
